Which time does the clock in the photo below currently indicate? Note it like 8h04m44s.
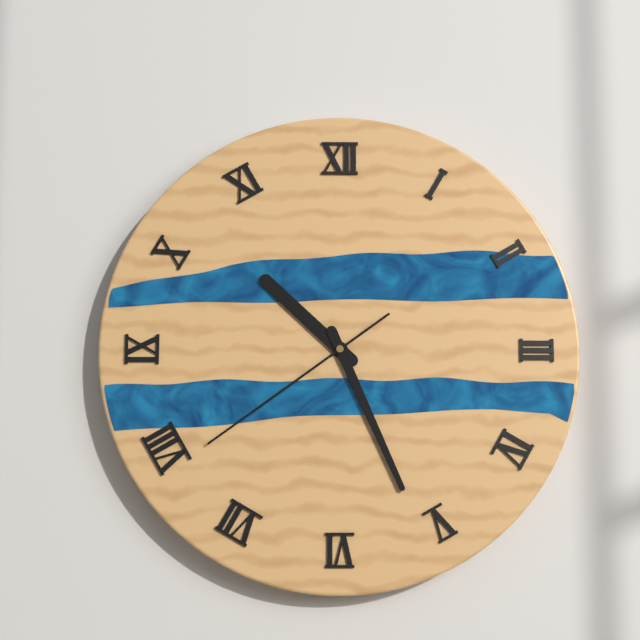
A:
10h26m39s
